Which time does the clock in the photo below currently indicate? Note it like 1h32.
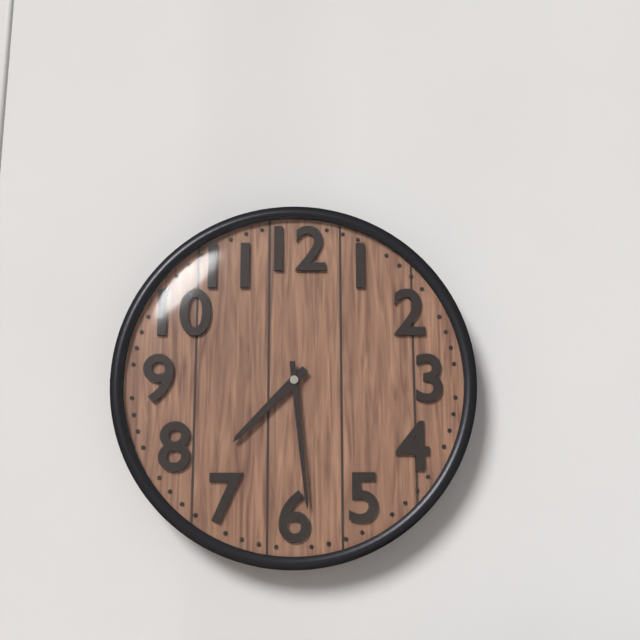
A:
7h29
